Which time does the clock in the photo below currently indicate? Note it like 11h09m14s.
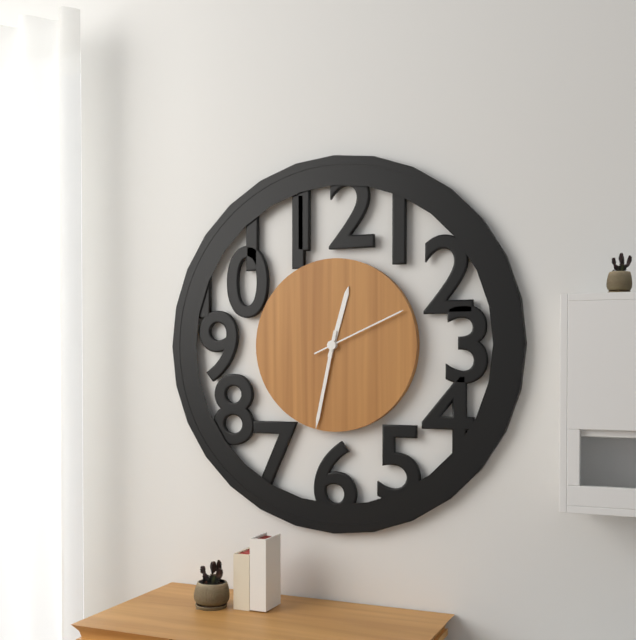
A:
12h32m11s
